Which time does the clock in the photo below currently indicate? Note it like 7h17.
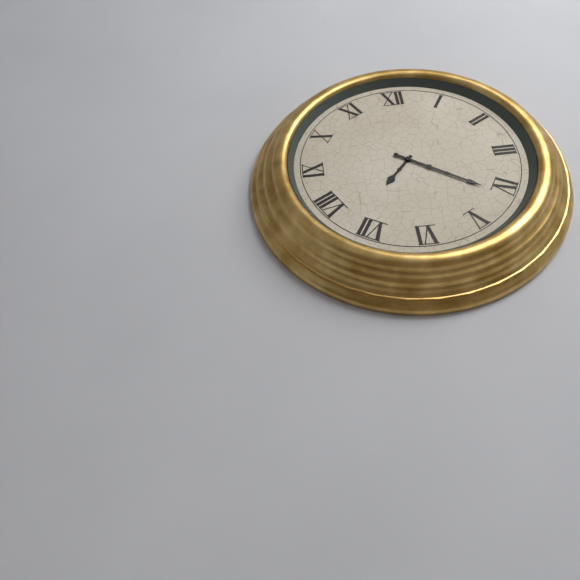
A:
7h21
